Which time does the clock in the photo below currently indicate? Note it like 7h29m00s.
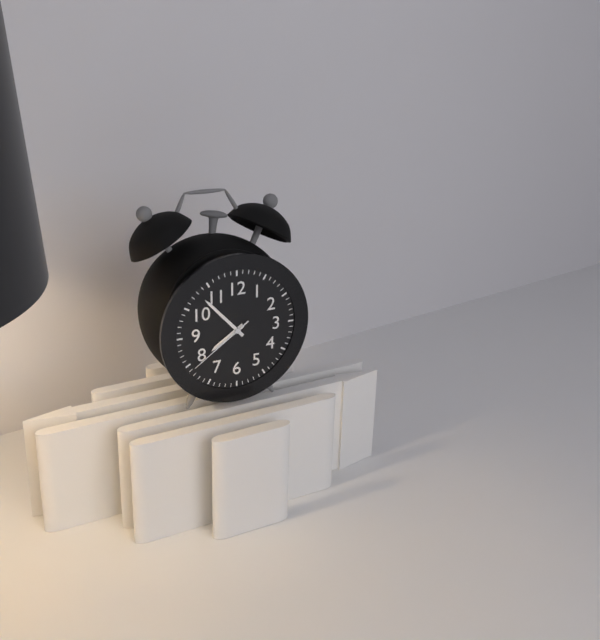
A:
7h53m39s
